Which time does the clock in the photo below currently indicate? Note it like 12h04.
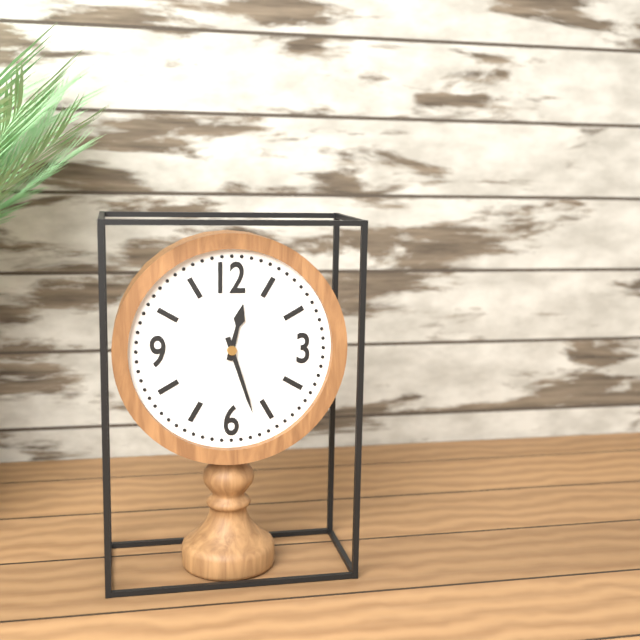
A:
12h27
